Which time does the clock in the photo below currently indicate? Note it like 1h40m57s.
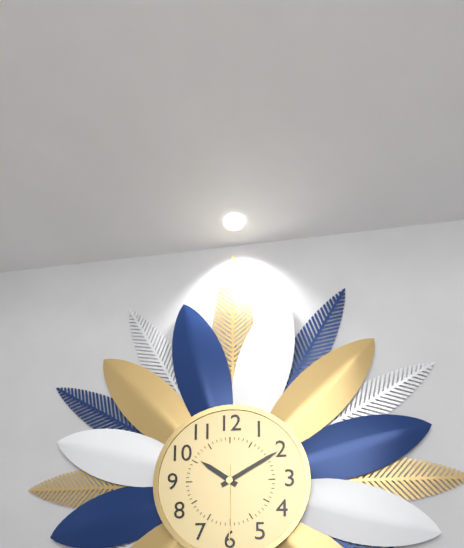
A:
10h10m30s
